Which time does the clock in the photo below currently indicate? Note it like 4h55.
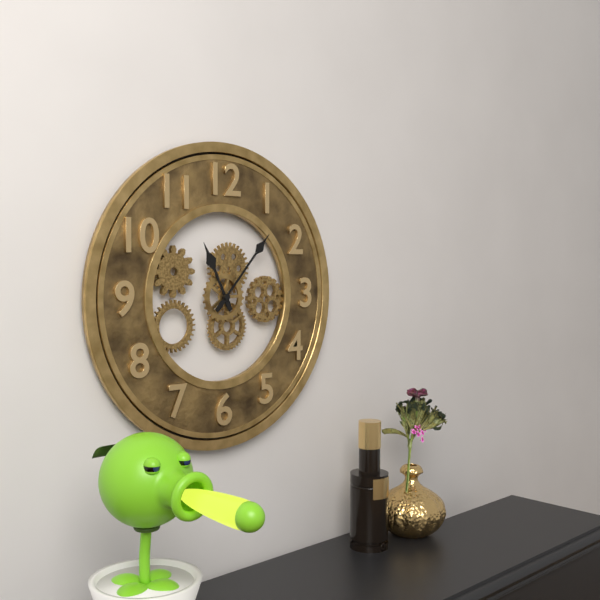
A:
11h07
